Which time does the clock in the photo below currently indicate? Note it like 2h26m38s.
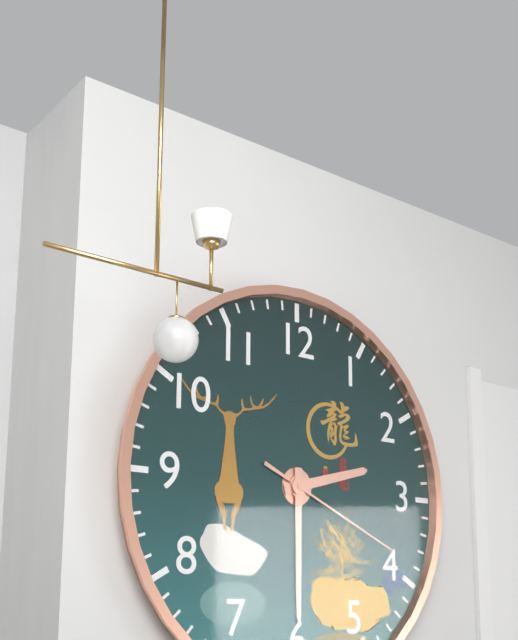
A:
2h30m19s
